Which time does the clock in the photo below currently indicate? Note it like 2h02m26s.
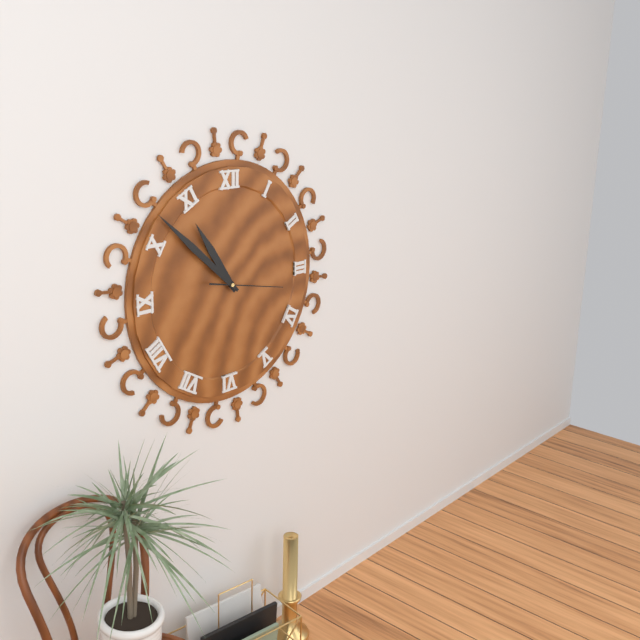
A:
10h52m17s
